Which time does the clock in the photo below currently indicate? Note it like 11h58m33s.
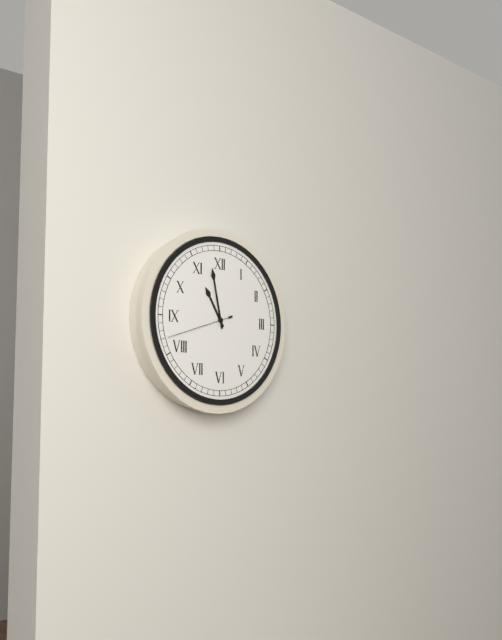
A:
10h58m42s
